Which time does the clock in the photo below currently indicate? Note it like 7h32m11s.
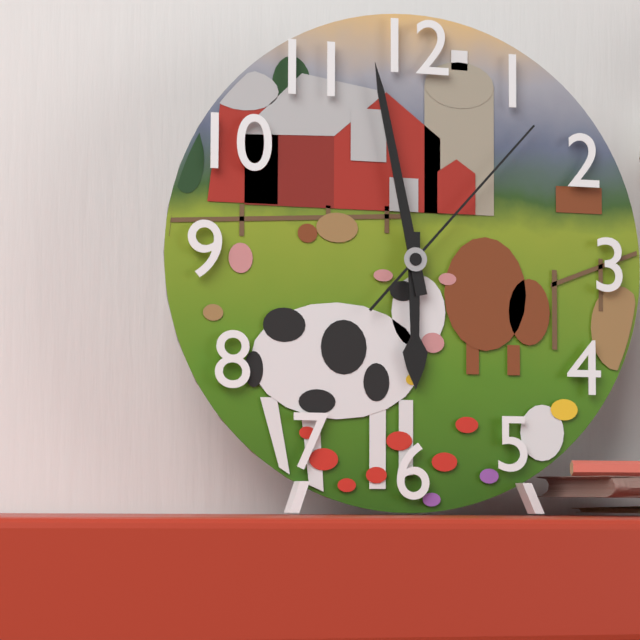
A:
5h58m07s
